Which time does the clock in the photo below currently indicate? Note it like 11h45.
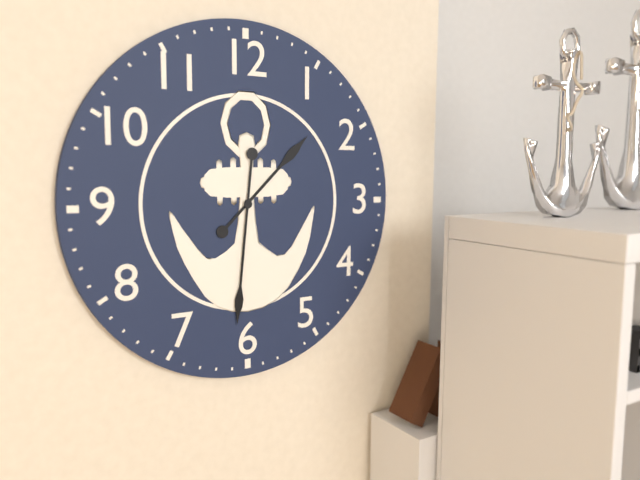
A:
1h31
